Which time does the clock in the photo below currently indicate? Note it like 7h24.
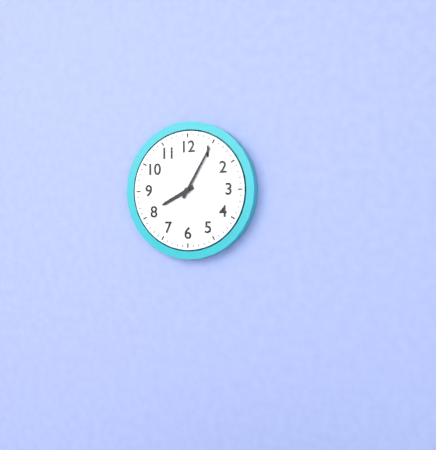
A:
8h05
